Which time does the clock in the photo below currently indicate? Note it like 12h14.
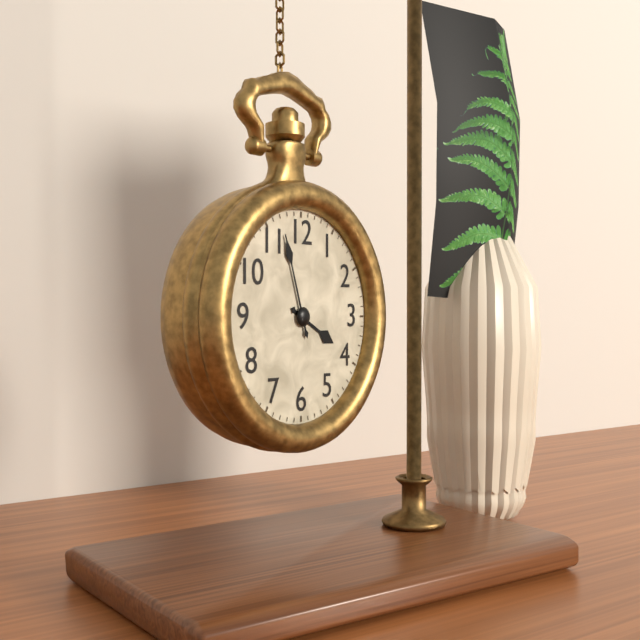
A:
3h57
